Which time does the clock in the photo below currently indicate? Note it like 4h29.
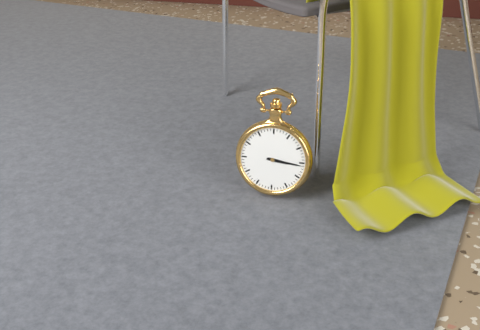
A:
3h16
